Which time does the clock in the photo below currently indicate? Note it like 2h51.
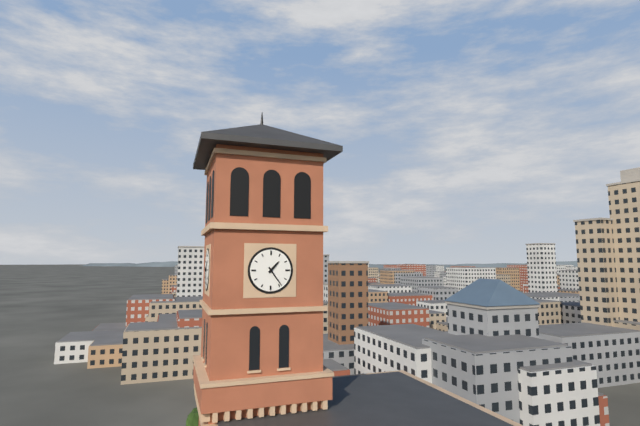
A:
1h24
